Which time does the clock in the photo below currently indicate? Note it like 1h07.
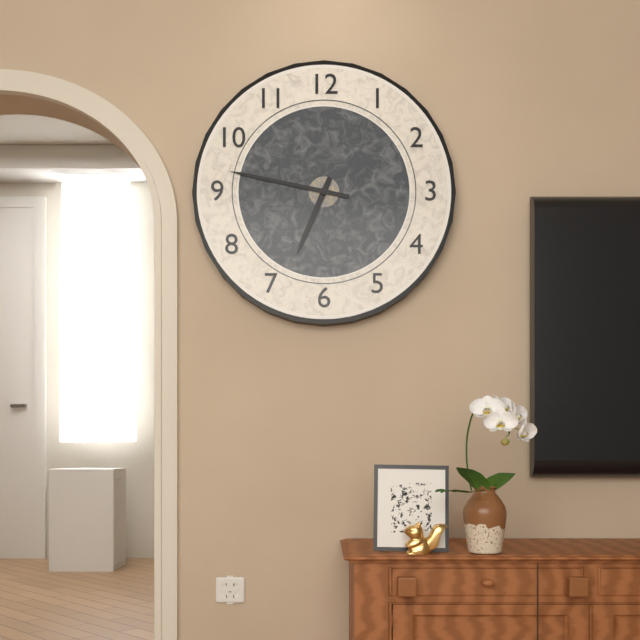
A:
6h47
